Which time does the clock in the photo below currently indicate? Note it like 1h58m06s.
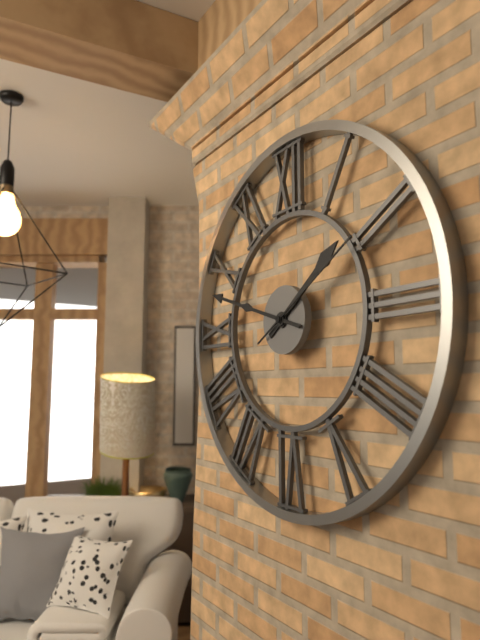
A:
1h48m10s
